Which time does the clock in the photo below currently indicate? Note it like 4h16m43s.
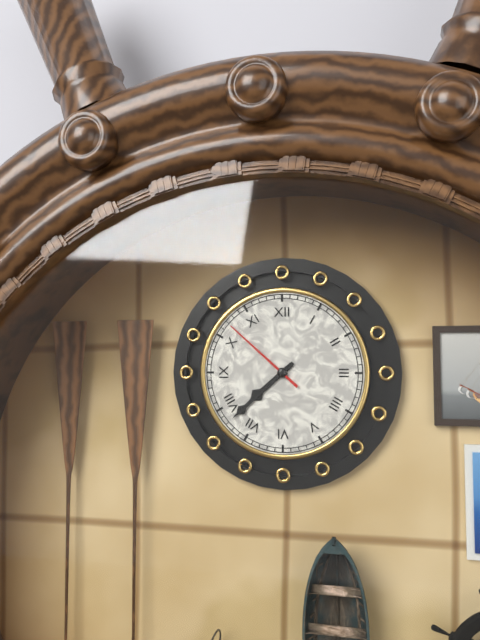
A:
7h38m52s
